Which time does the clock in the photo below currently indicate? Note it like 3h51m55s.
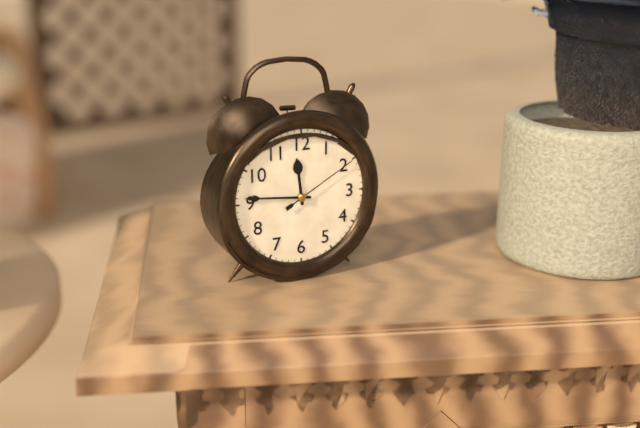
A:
11h46m10s
